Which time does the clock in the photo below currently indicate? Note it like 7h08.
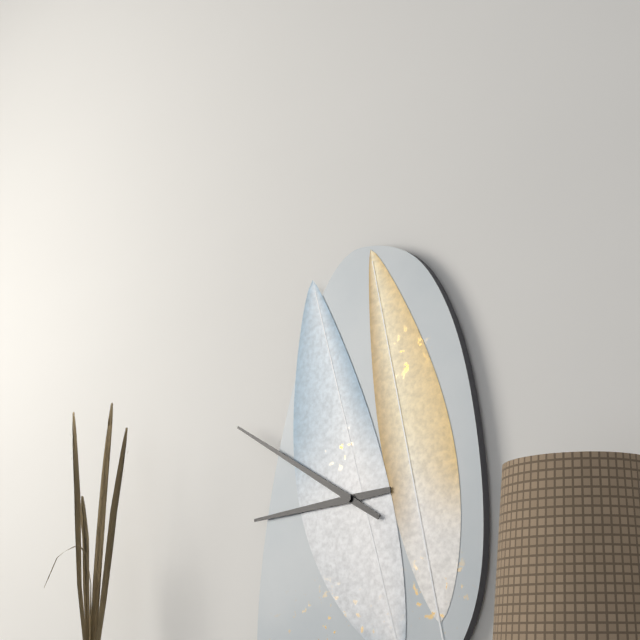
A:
8h50
